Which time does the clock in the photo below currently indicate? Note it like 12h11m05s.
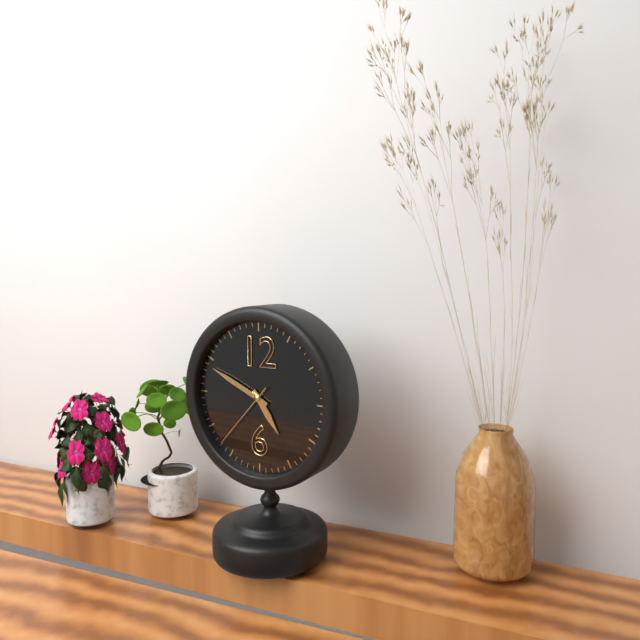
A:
4h49m37s
